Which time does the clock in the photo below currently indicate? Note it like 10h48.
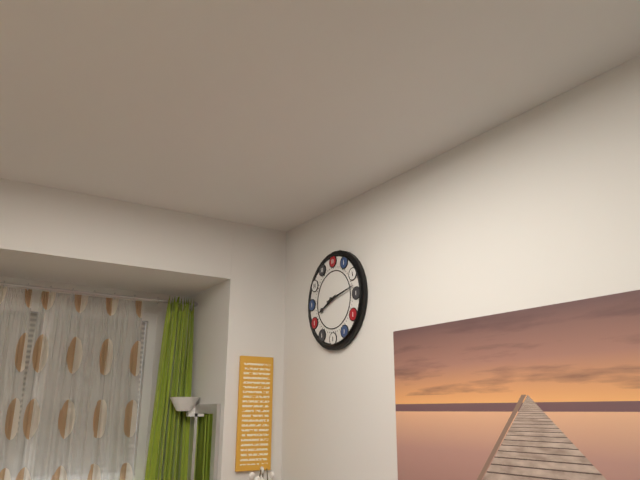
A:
8h13
